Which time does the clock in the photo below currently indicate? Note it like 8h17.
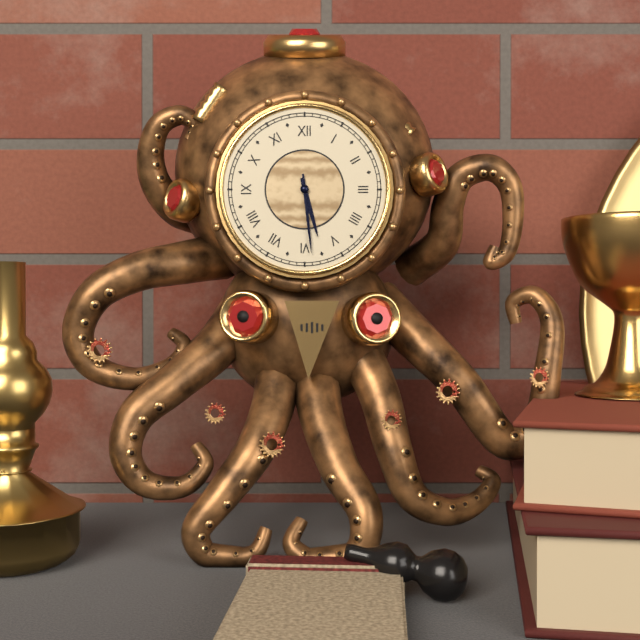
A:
5h29
